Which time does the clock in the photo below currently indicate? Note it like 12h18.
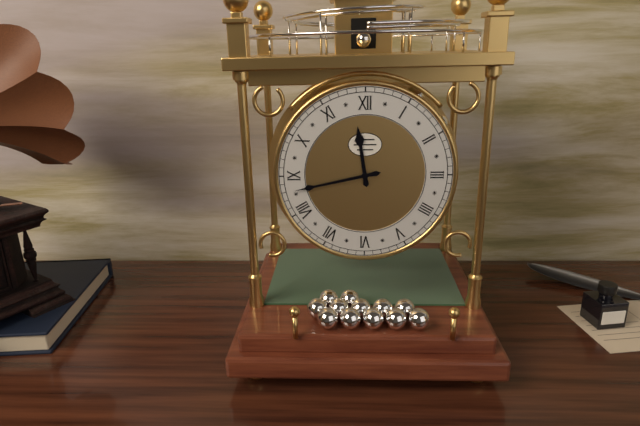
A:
11h43
